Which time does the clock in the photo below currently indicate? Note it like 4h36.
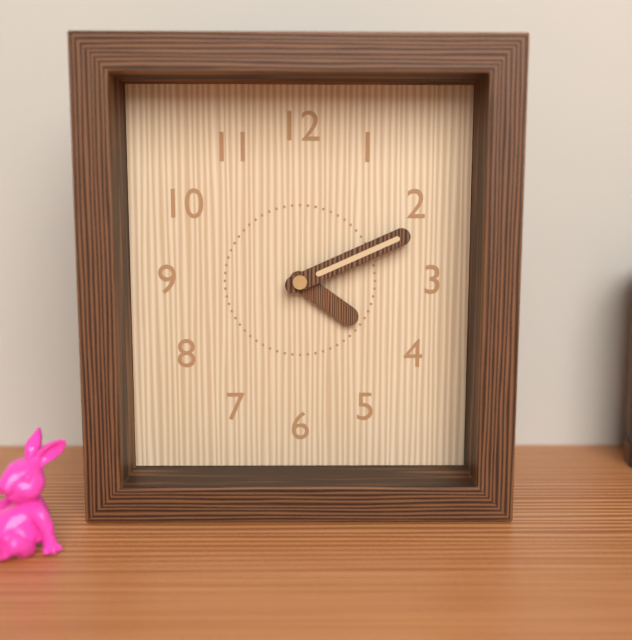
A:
4h11
